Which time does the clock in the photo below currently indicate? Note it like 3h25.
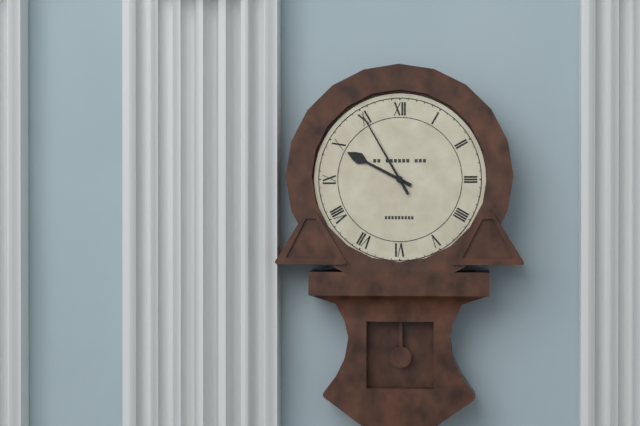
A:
9h55
